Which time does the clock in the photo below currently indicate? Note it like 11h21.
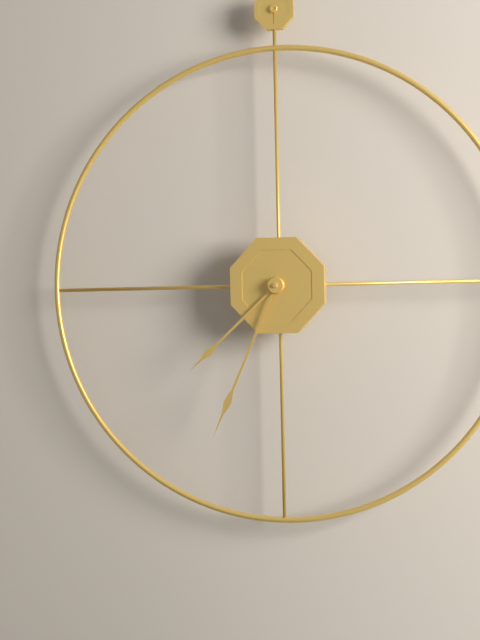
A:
7h34
